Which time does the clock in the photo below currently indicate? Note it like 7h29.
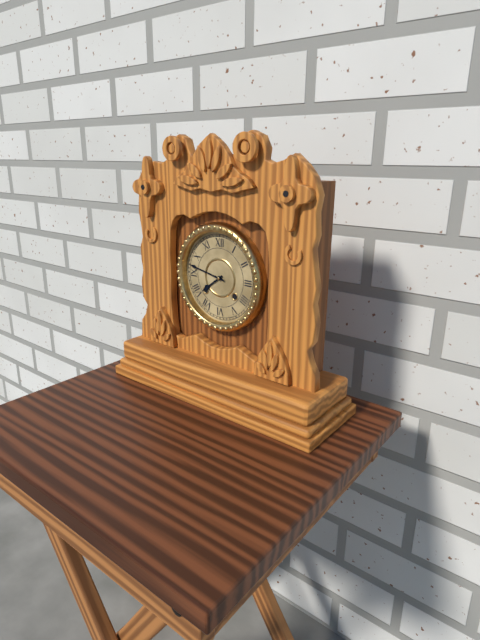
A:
7h47
